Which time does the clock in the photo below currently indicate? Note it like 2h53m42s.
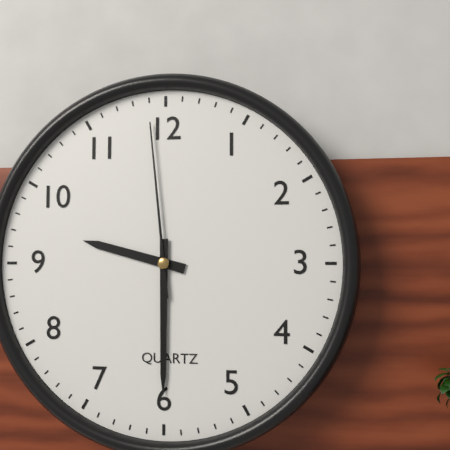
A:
9h30m59s
